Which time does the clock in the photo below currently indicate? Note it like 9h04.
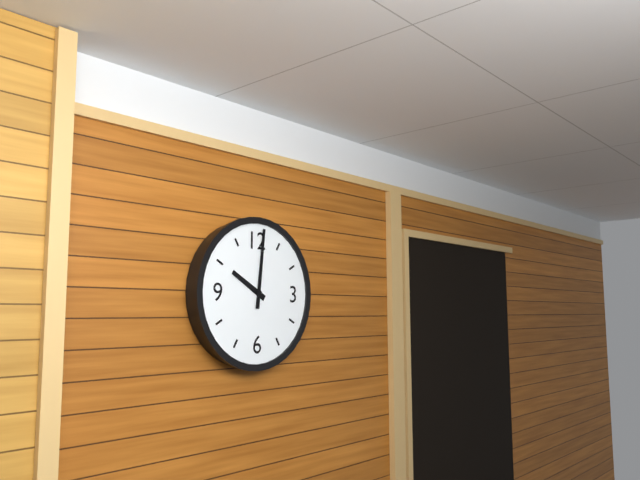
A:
10h01
